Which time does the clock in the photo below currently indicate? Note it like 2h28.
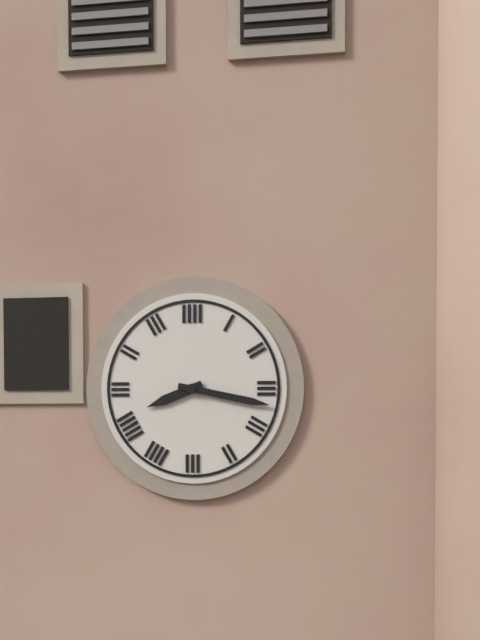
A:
8h17
